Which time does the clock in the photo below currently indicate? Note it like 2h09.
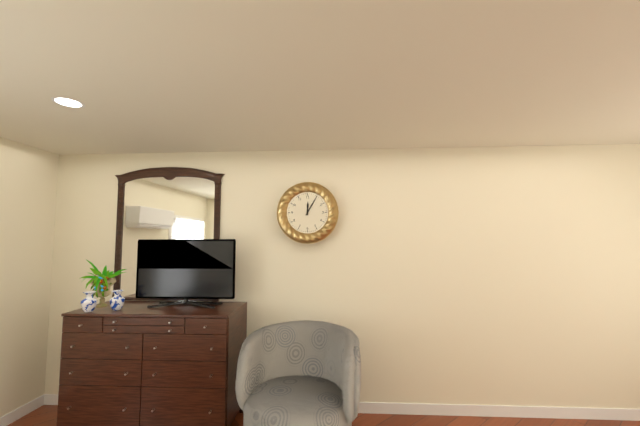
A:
12h05
